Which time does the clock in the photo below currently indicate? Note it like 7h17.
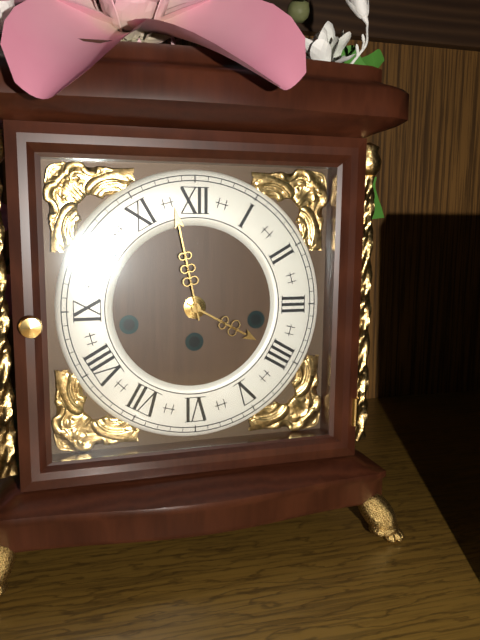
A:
3h58
